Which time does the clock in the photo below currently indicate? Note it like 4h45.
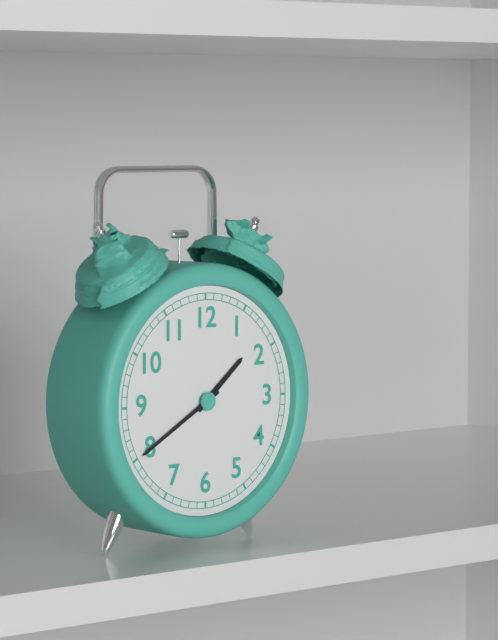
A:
1h40
